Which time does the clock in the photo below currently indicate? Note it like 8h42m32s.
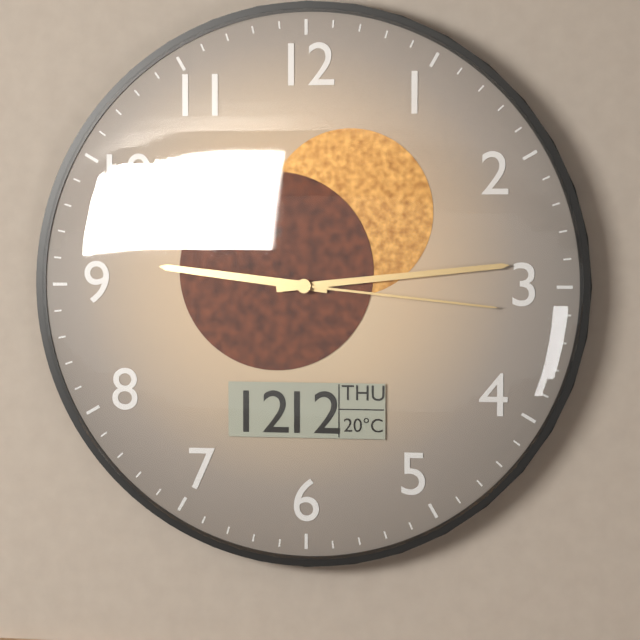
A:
9h14m16s
